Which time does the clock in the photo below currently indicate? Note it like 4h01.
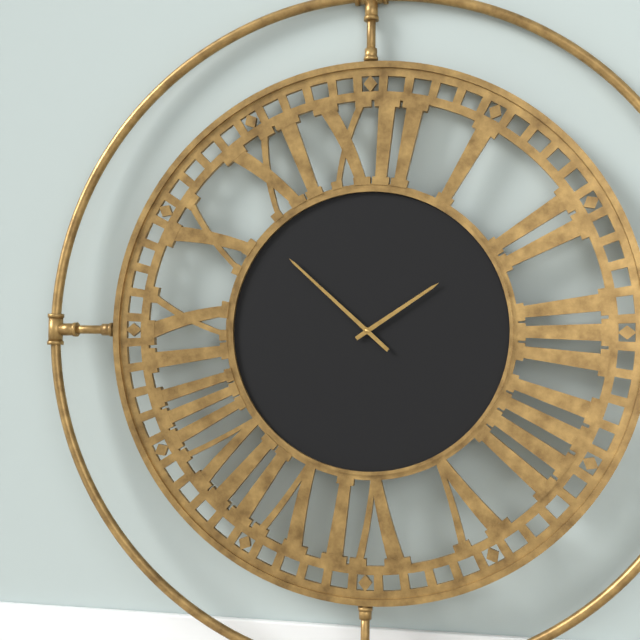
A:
1h52
